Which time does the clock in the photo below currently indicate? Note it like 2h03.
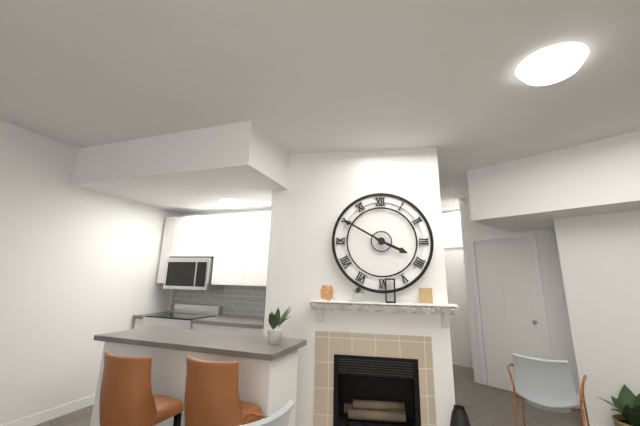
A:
3h50
